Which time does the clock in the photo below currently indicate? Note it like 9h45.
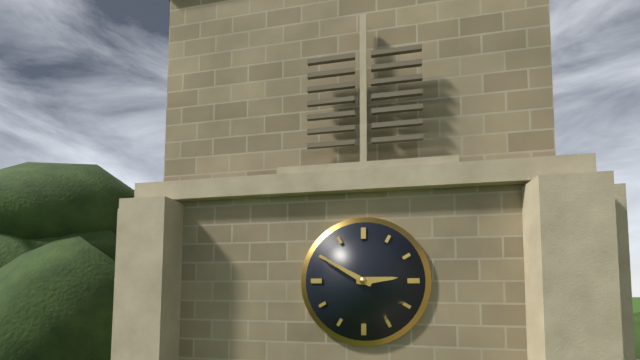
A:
2h50
